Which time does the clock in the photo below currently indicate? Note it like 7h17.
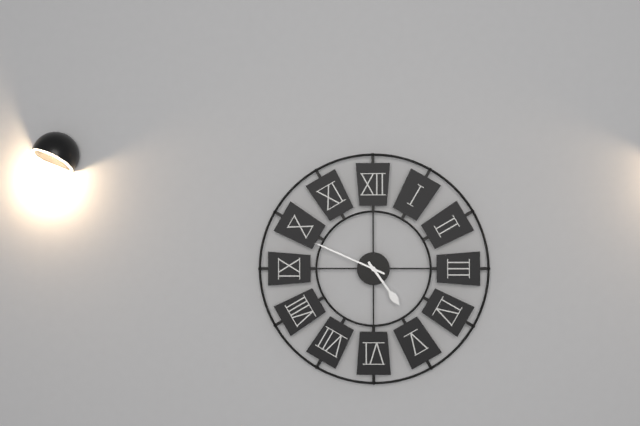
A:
4h49
